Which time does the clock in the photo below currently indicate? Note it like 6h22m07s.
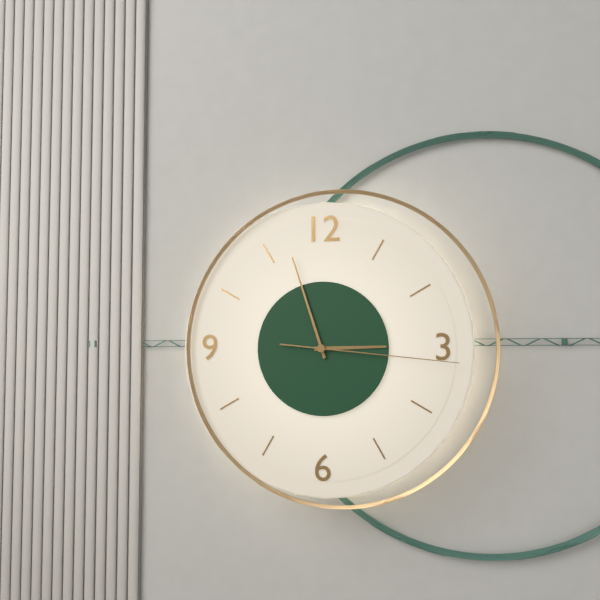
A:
2h57m16s
